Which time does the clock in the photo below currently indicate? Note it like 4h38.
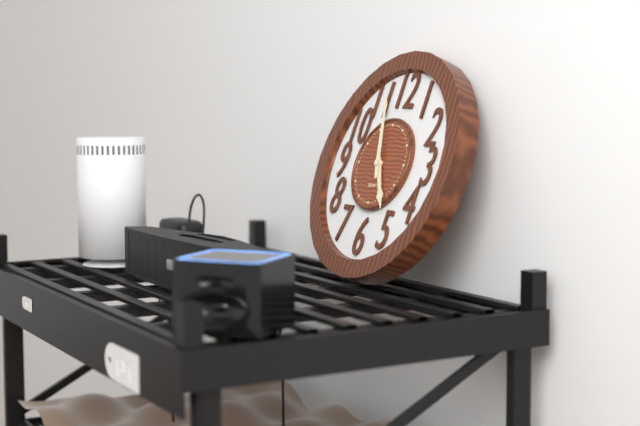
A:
4h57
